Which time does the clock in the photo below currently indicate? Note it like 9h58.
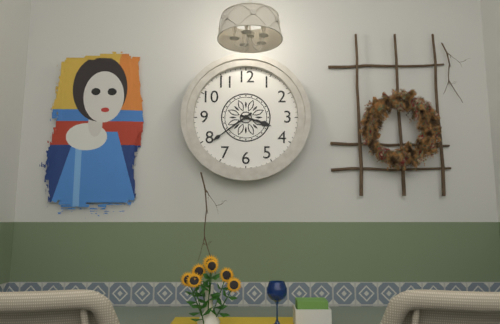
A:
3h39
